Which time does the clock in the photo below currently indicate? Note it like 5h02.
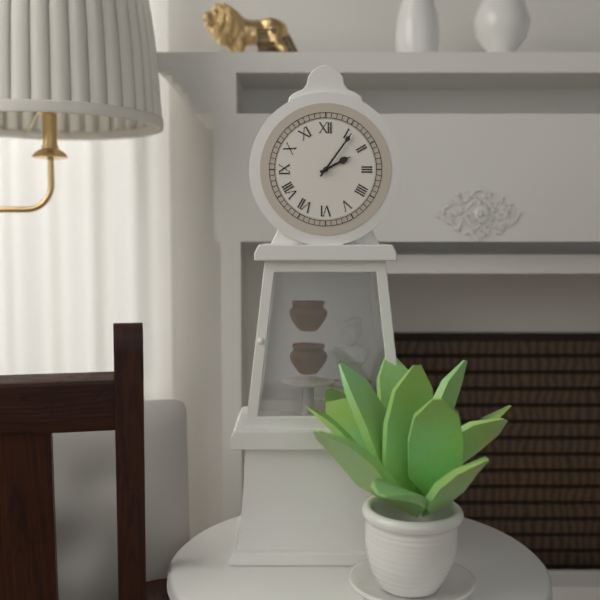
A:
2h06
